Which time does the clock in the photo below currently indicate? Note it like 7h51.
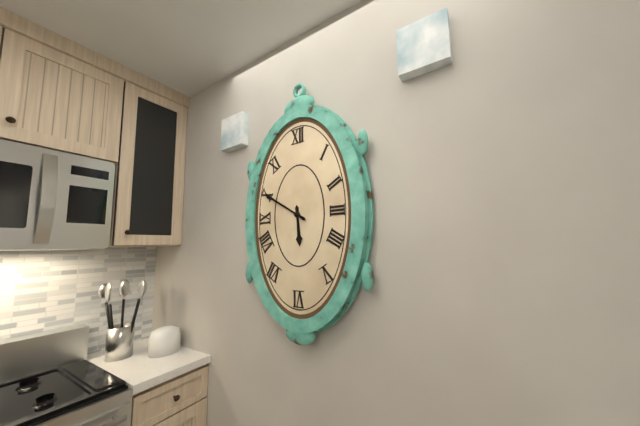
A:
5h50
